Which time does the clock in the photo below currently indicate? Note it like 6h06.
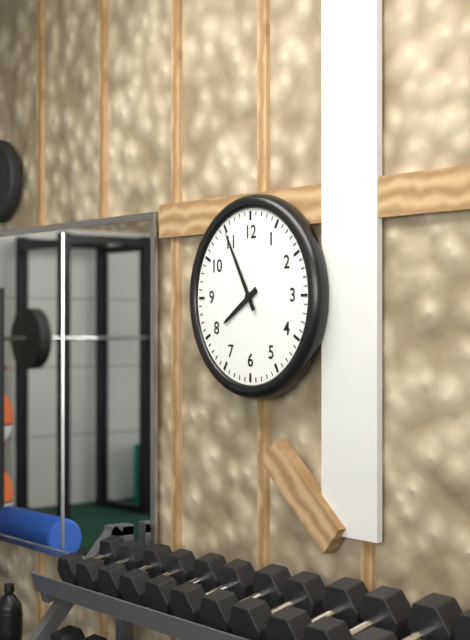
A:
7h55
